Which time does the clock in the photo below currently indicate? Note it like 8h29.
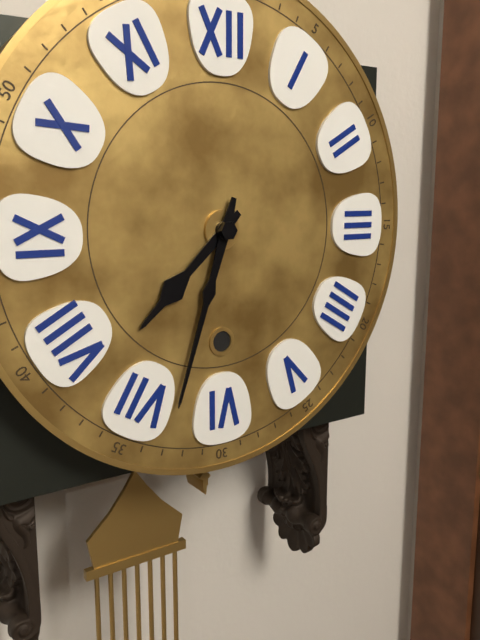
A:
7h33
